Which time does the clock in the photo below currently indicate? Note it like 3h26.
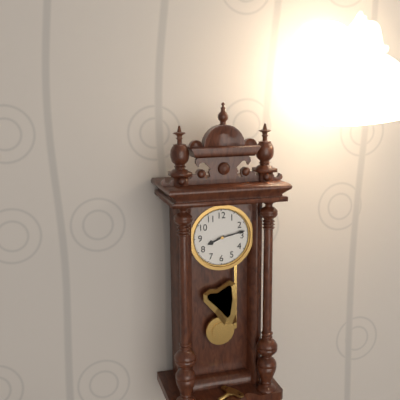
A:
8h13
